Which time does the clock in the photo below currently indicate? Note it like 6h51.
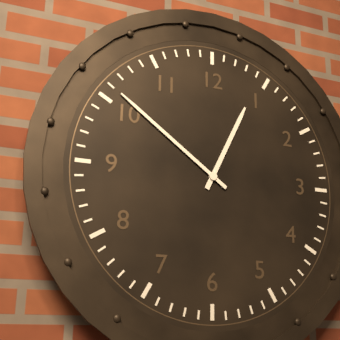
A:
12h51
